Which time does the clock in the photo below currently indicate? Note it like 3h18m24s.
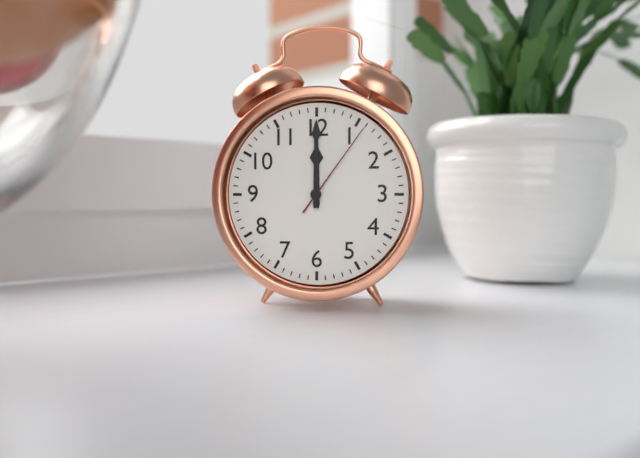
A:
12h00m06s
